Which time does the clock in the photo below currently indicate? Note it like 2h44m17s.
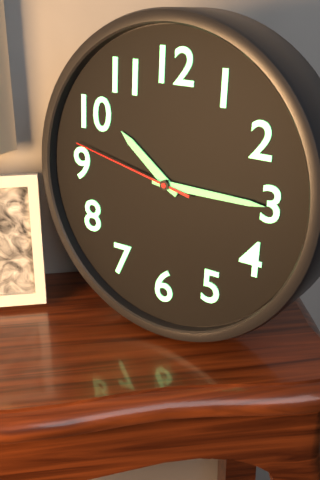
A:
10h15m47s
